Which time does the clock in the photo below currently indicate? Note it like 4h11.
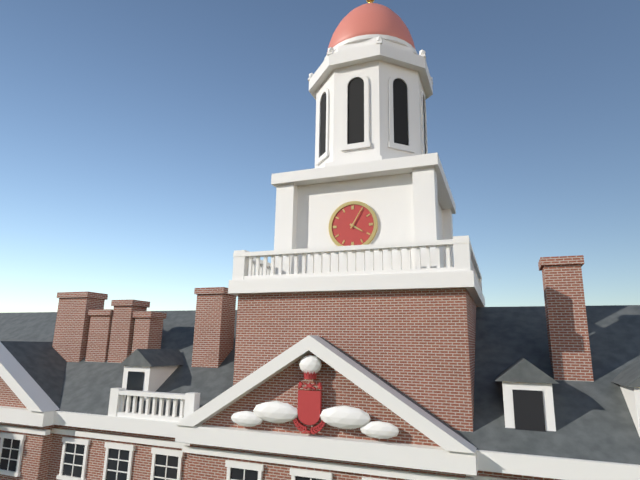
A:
4h05
